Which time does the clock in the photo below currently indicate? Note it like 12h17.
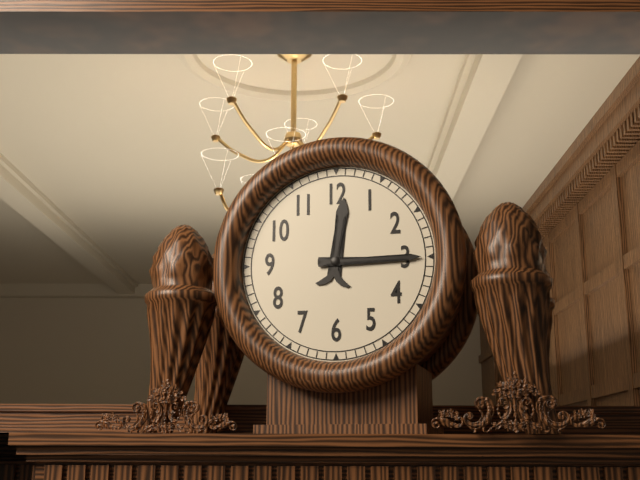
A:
12h15
